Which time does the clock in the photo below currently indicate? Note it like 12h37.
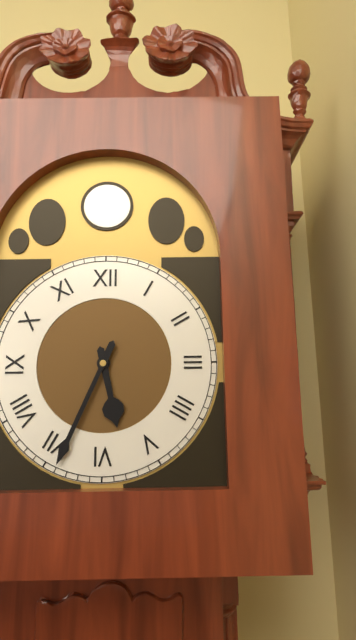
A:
5h34
